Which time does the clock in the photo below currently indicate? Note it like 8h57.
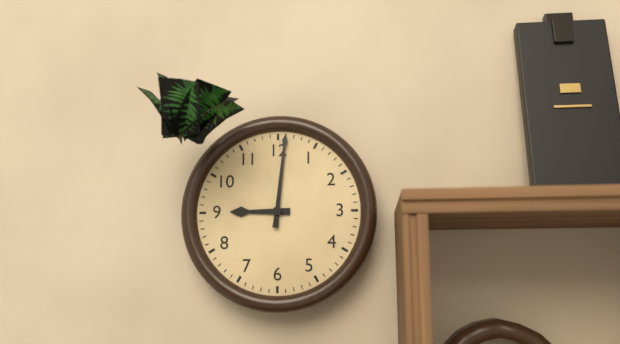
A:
9h01
